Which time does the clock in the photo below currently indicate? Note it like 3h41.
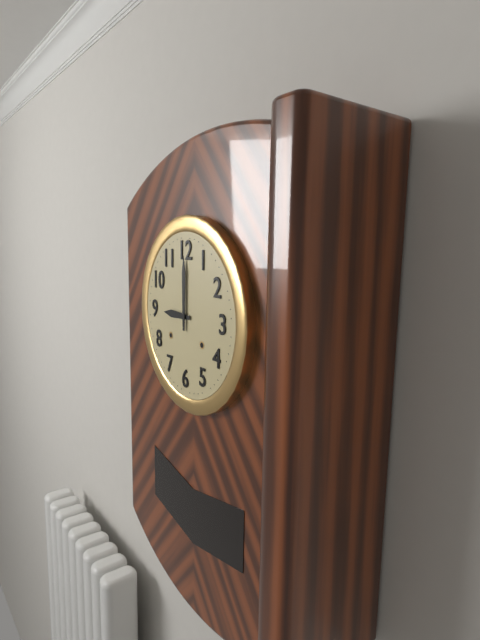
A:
9h00
